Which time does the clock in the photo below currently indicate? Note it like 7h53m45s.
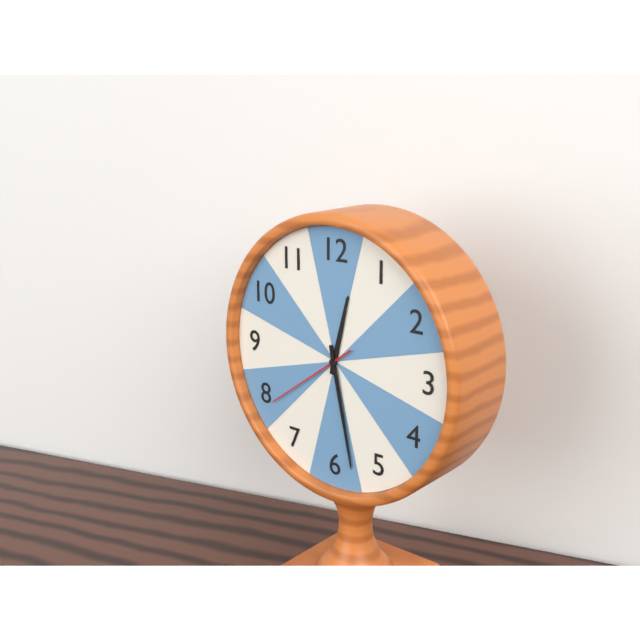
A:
12h28m39s
